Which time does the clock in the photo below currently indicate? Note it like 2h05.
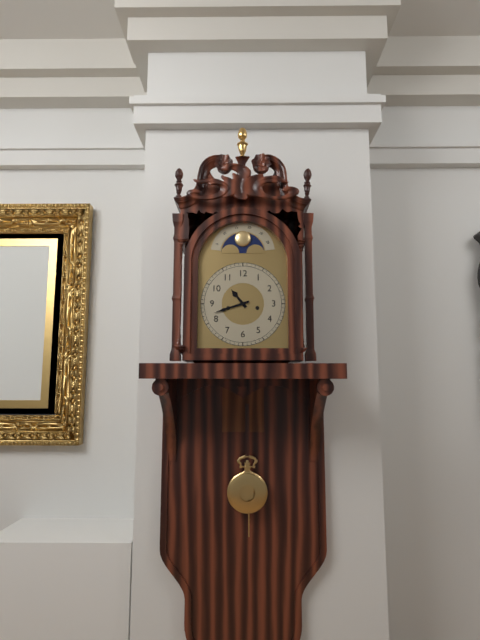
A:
10h42
